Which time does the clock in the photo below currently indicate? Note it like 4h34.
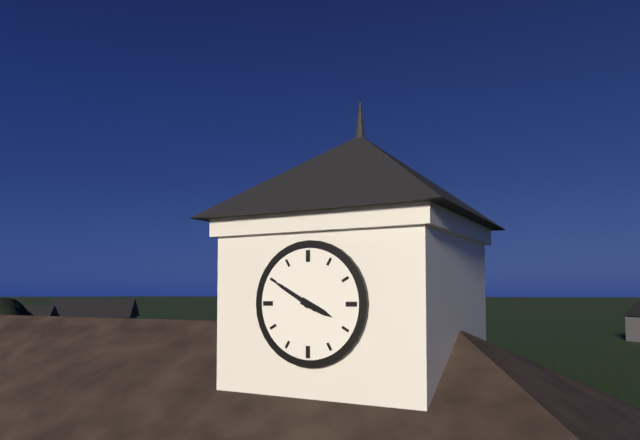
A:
3h50
